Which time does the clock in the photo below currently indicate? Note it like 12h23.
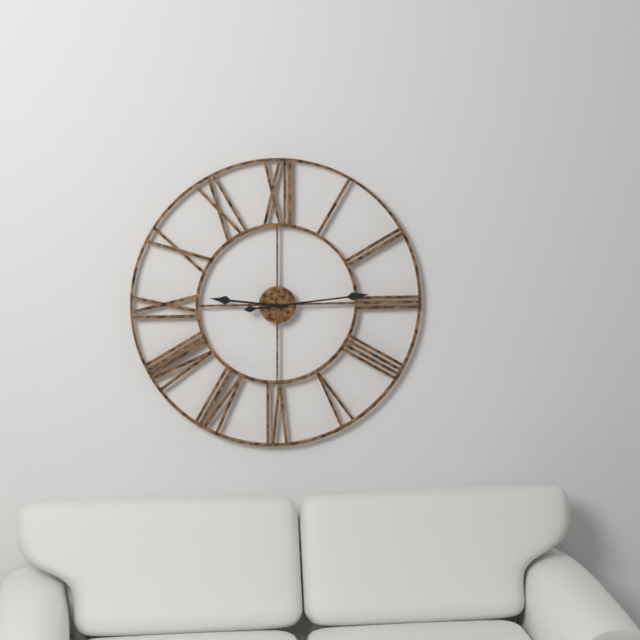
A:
9h14
